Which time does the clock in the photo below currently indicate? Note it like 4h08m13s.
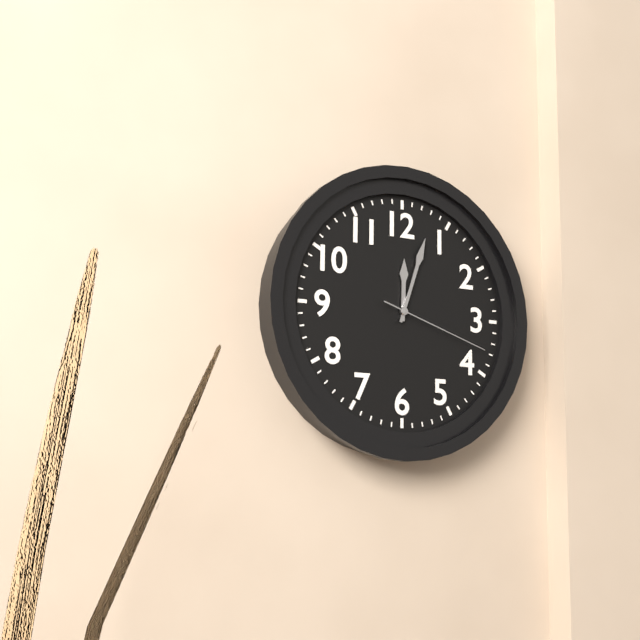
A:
12h03m18s
